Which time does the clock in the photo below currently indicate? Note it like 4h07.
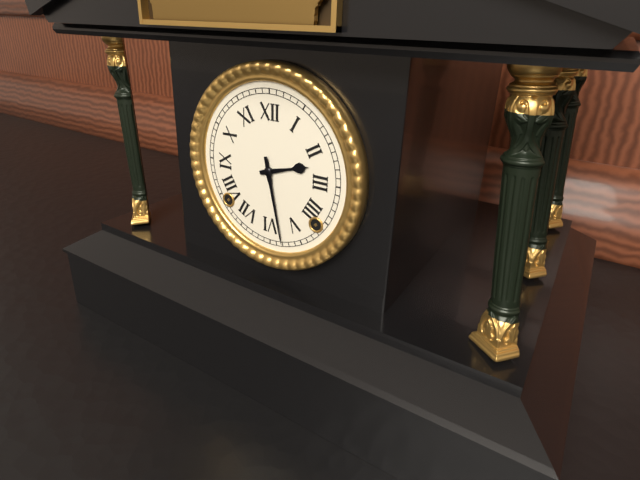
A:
2h28
